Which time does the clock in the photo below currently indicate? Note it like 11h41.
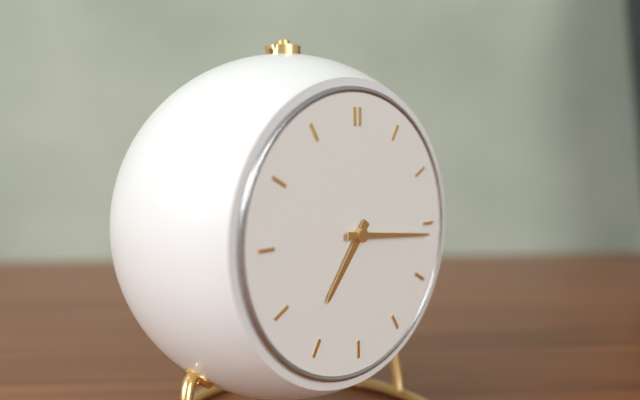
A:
7h16
